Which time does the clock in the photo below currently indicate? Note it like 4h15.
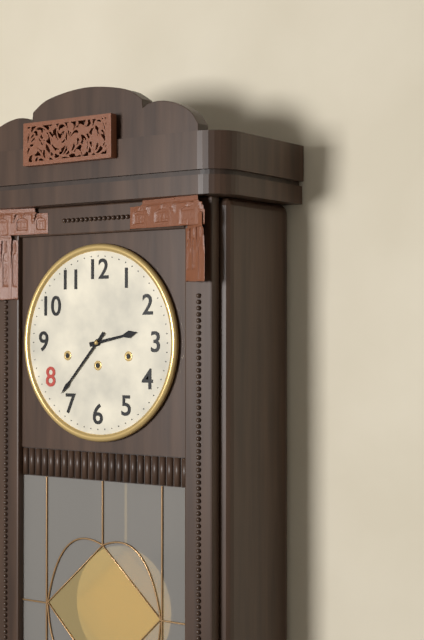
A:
2h37
